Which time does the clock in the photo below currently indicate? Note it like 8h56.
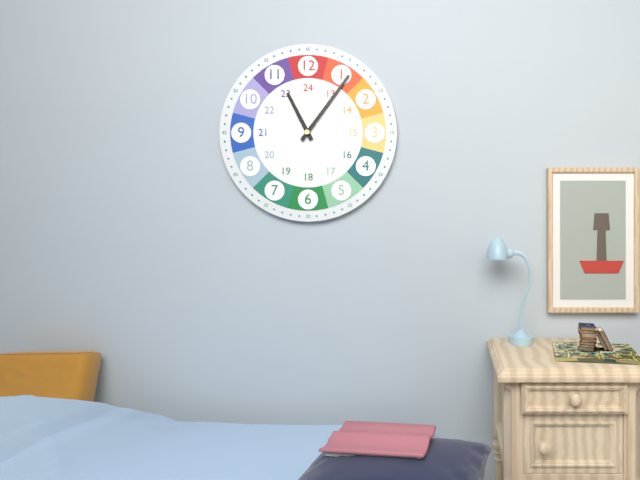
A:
11h06
